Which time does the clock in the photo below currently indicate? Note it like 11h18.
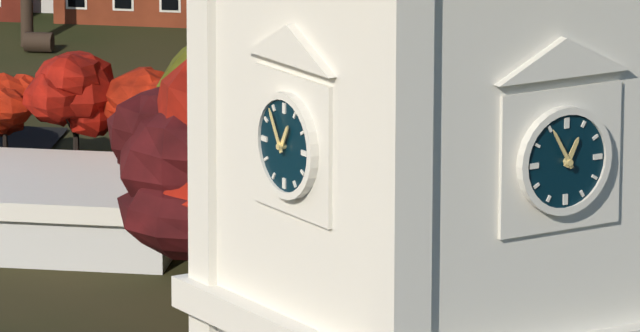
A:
12h55
